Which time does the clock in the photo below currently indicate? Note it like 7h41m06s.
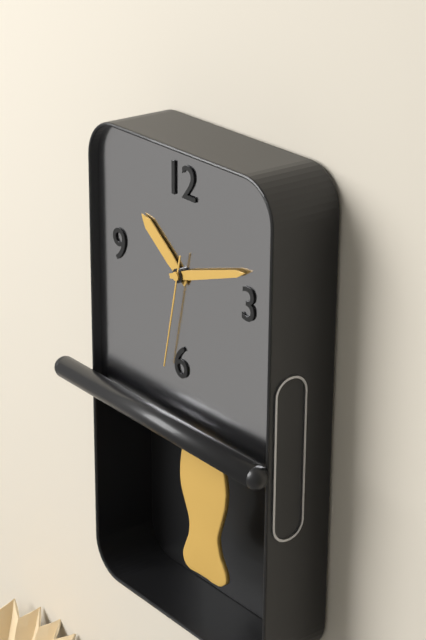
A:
10h12m32s
